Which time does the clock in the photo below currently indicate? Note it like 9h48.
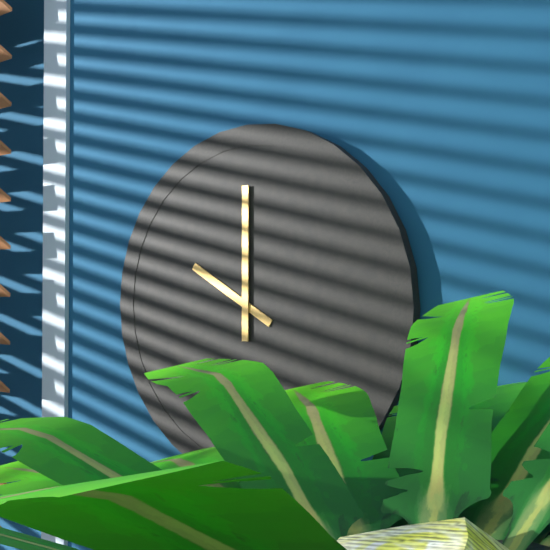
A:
10h00
